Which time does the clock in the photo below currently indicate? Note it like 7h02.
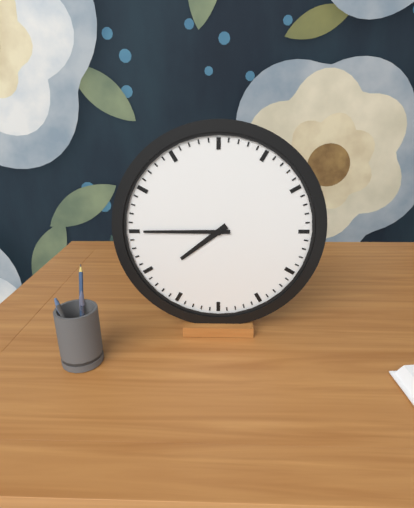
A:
7h45
